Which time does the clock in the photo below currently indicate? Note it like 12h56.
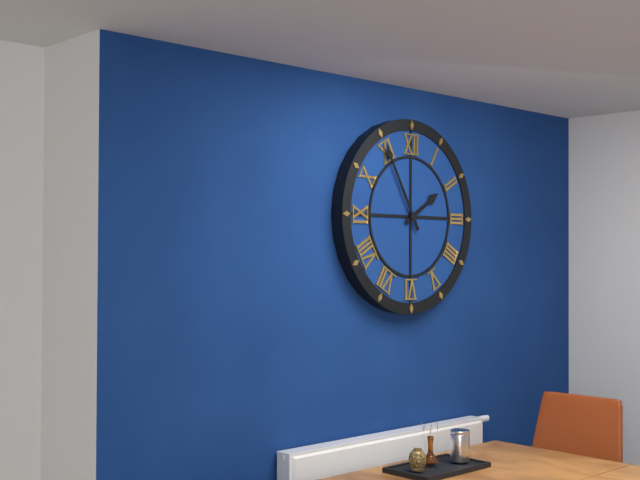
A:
1h55
